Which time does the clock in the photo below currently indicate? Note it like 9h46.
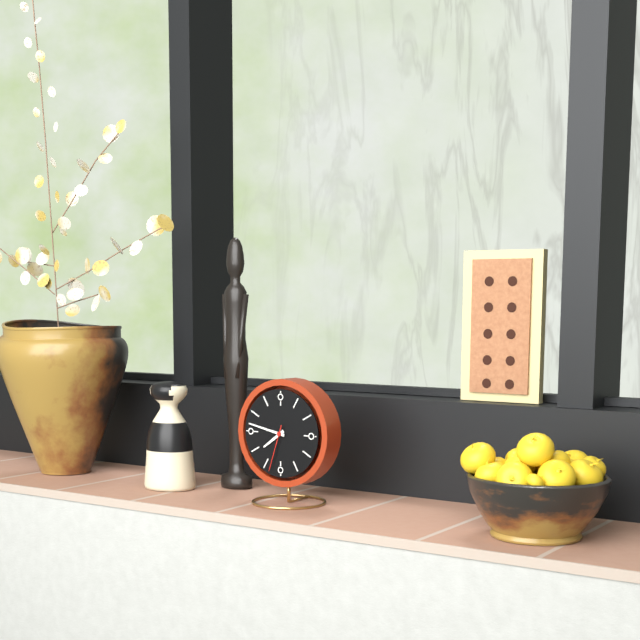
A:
7h47
